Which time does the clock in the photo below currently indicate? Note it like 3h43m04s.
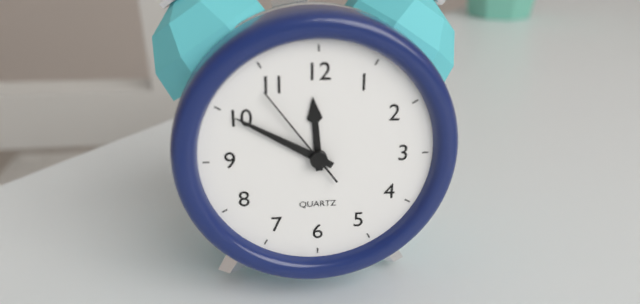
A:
11h50m54s
